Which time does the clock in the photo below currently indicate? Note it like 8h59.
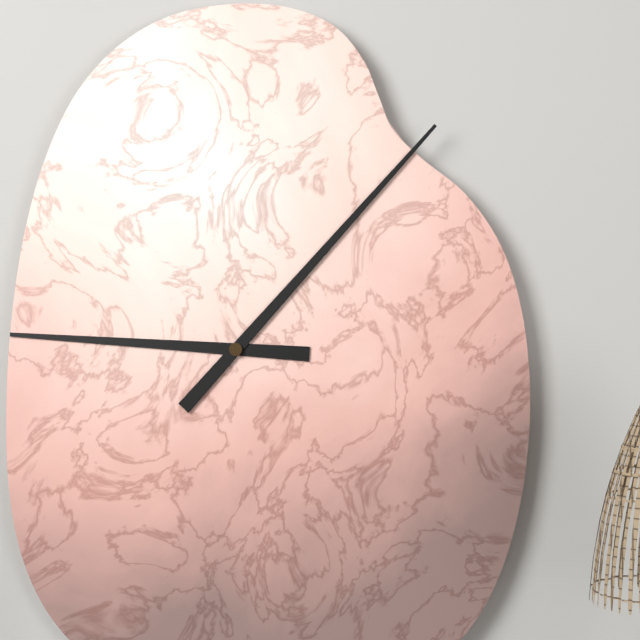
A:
9h07
